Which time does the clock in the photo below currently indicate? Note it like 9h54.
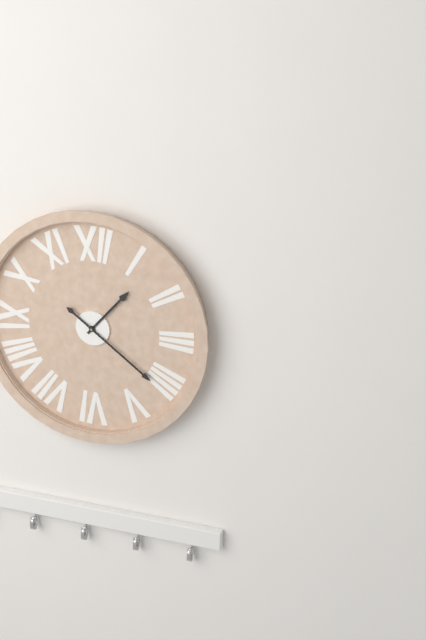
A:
1h21
